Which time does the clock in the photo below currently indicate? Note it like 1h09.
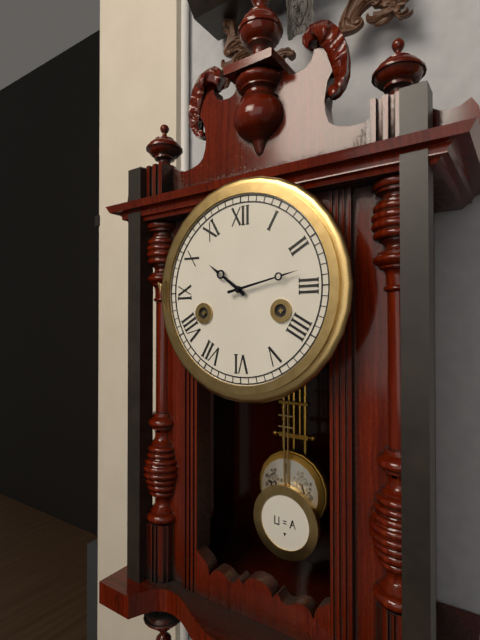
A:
10h13
